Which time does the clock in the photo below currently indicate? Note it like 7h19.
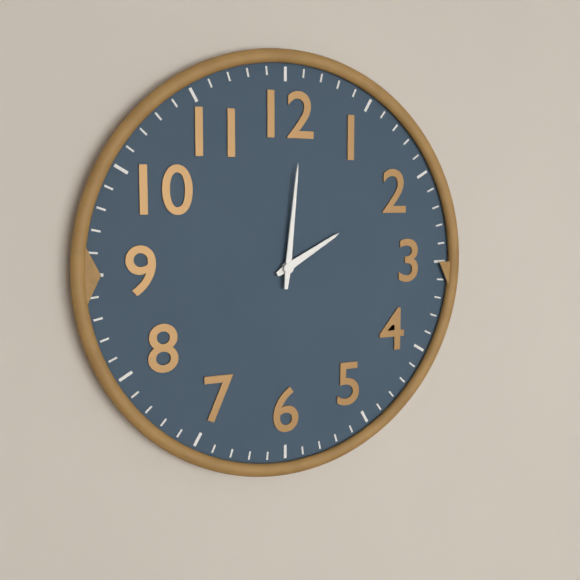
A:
2h01
